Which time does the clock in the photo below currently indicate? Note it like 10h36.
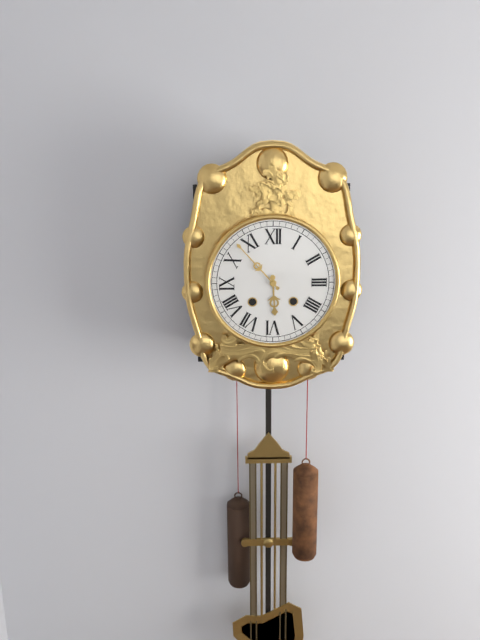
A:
5h53
